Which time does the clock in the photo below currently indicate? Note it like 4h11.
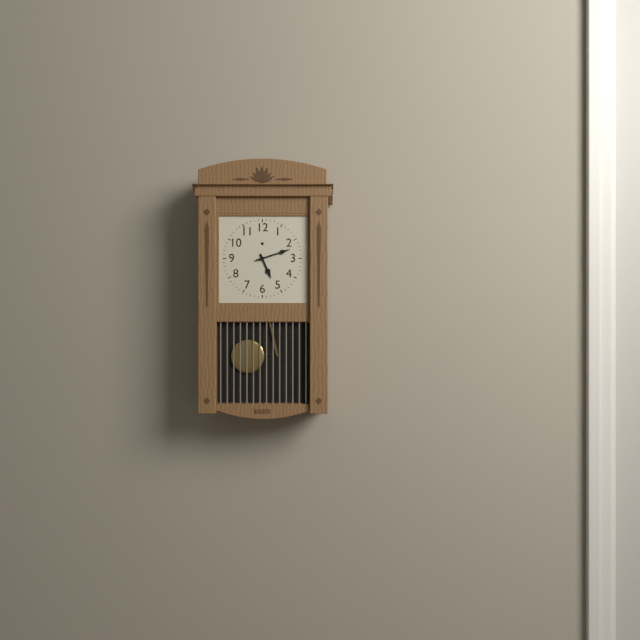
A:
5h12
